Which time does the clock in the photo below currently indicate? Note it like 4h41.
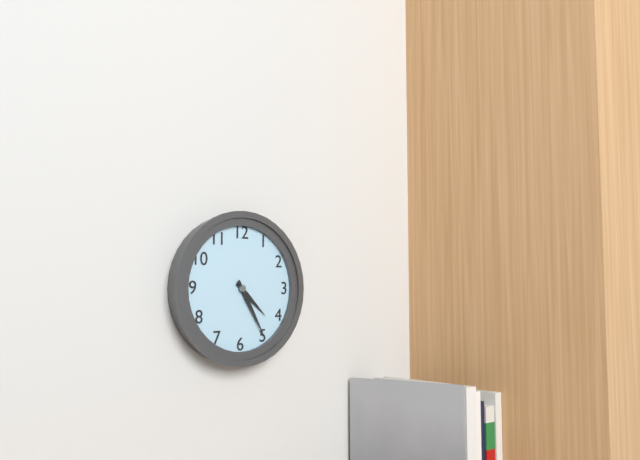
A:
4h25
